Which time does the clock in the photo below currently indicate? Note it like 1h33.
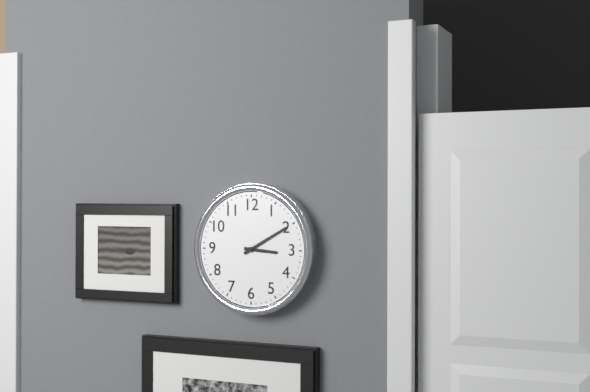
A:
3h10
